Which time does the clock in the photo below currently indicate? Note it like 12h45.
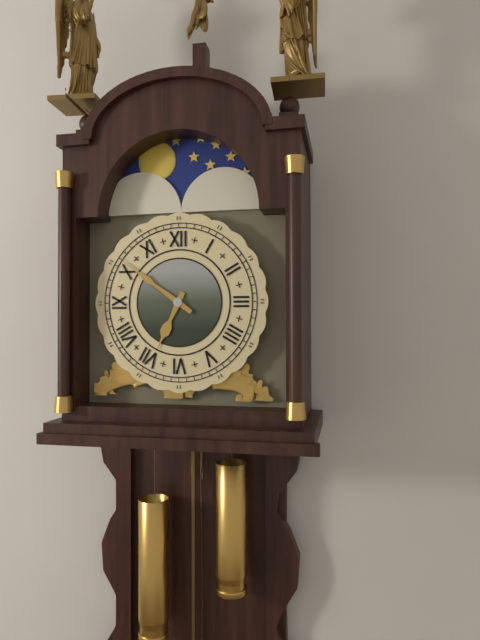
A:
6h51
